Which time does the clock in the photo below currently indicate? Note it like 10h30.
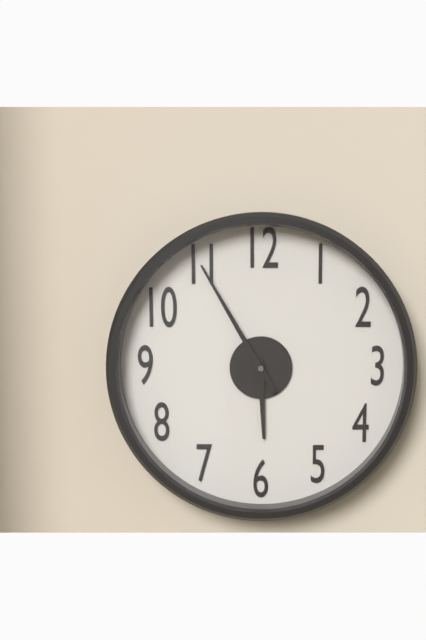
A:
5h55
